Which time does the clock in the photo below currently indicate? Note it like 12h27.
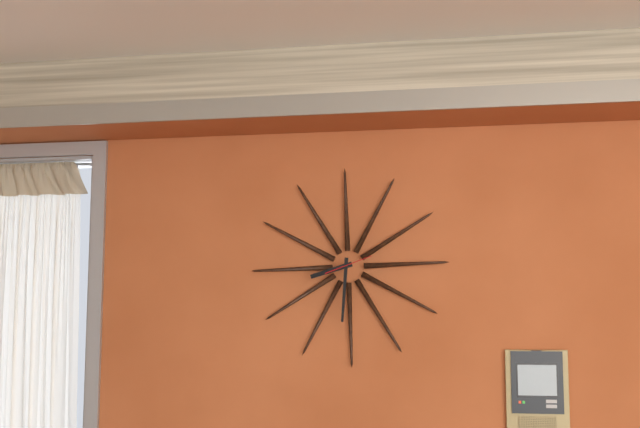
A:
8h31
